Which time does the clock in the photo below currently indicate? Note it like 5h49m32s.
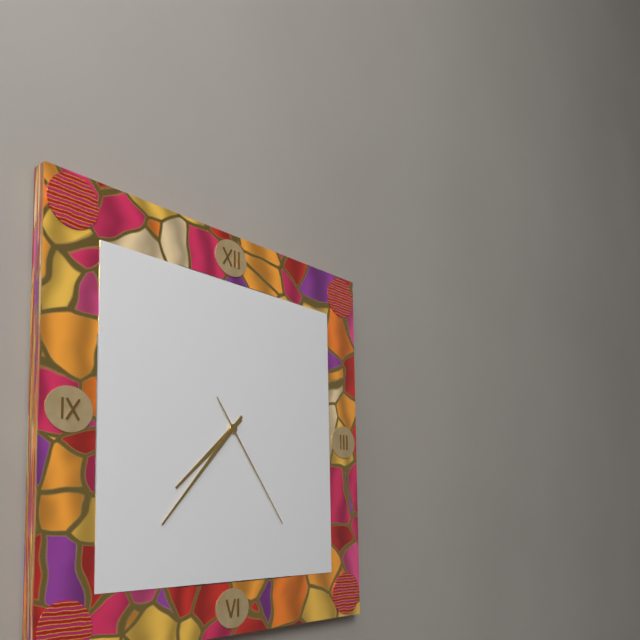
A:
7h37m24s
